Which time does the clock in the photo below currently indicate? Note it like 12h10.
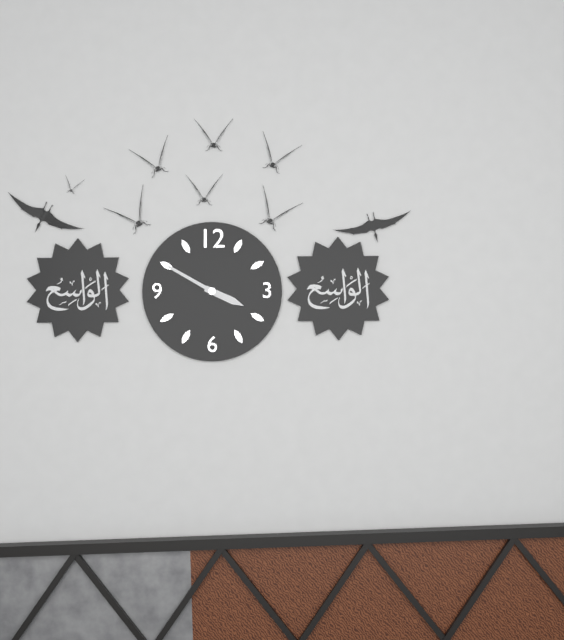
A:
3h50
